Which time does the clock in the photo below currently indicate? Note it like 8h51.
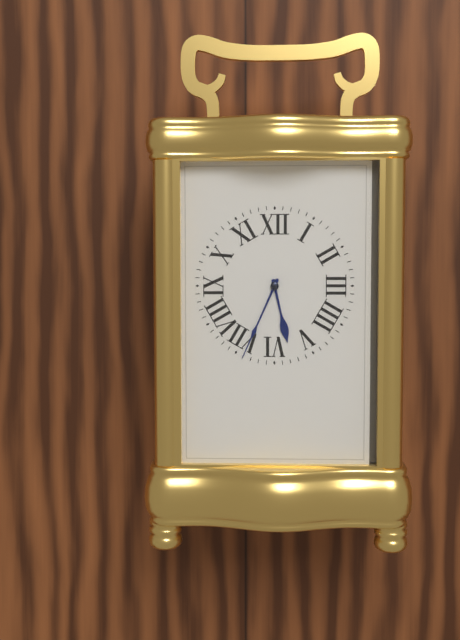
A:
5h34
